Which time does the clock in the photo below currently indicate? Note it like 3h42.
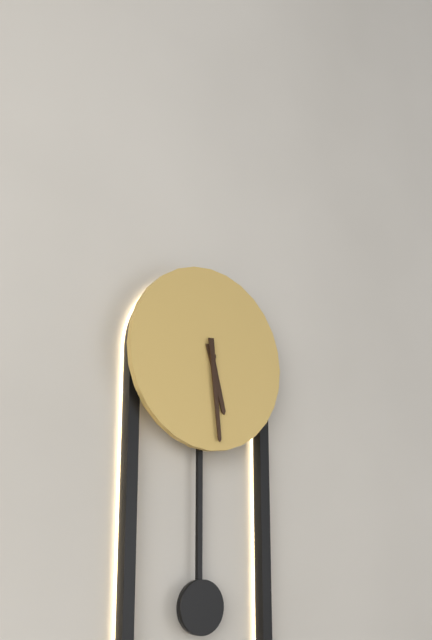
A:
5h29
